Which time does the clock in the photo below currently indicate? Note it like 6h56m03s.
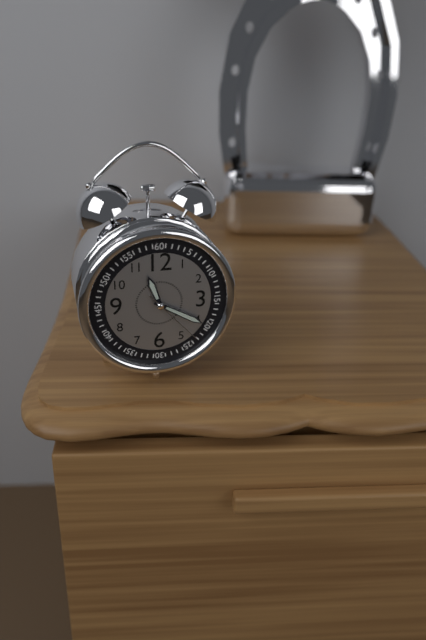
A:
11h20m23s
